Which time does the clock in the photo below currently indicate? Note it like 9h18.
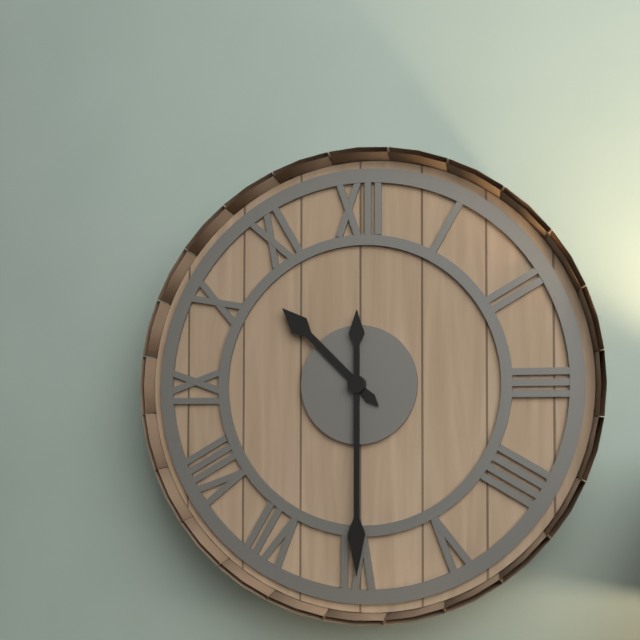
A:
10h30
